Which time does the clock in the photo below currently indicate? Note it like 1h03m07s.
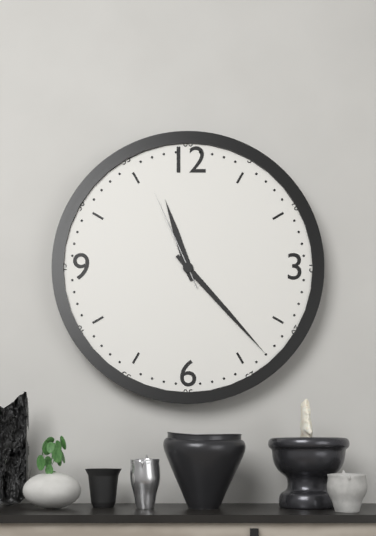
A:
11h23m56s
